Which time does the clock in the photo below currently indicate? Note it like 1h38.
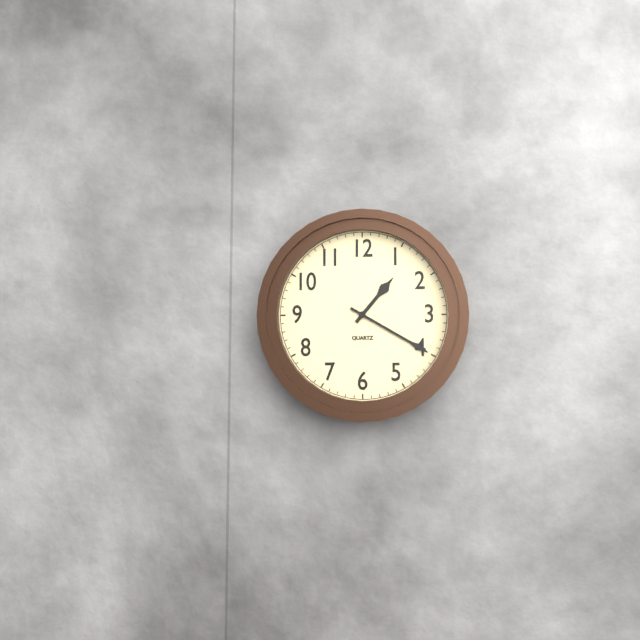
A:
1h20
